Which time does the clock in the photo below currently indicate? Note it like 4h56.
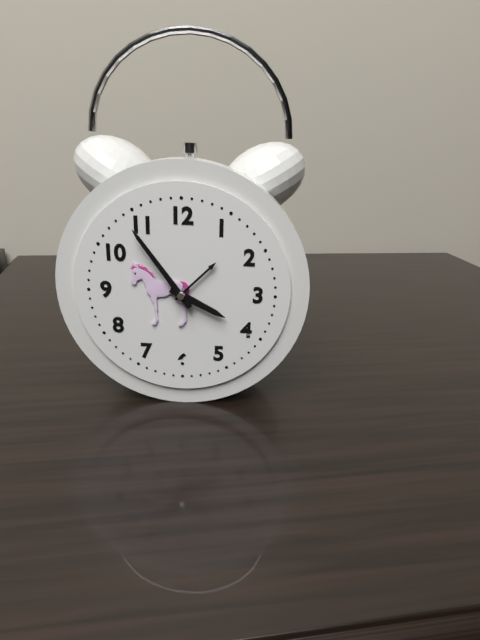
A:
3h54
